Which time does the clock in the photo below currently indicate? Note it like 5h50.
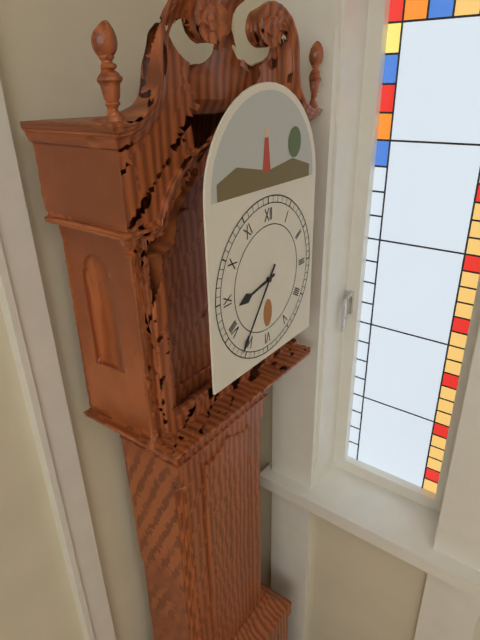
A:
8h36
